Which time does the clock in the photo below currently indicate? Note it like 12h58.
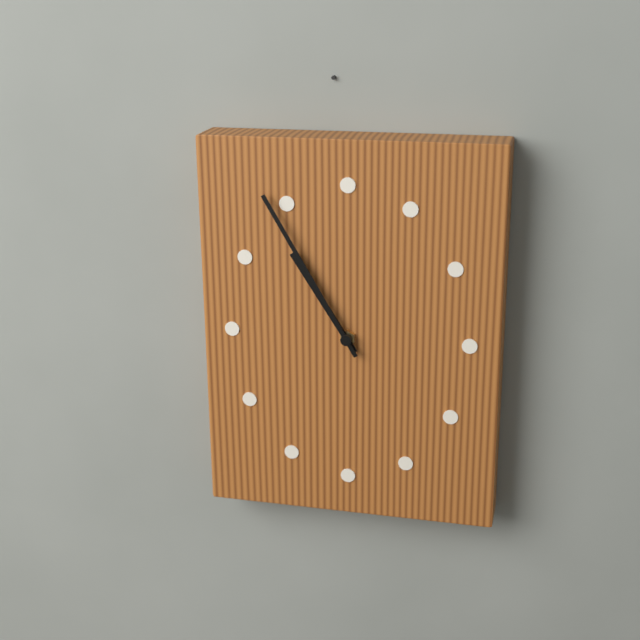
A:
10h55
